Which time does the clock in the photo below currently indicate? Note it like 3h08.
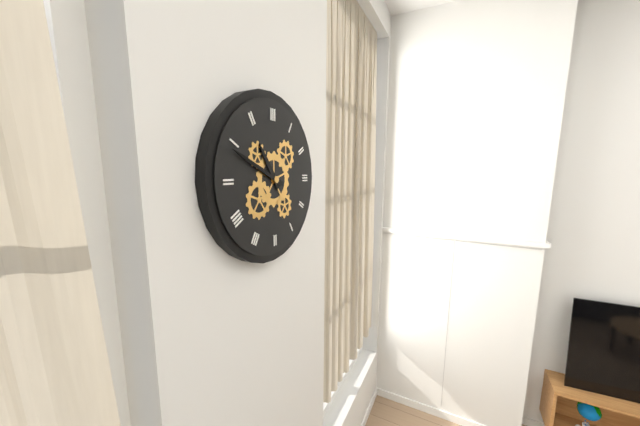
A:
10h49
